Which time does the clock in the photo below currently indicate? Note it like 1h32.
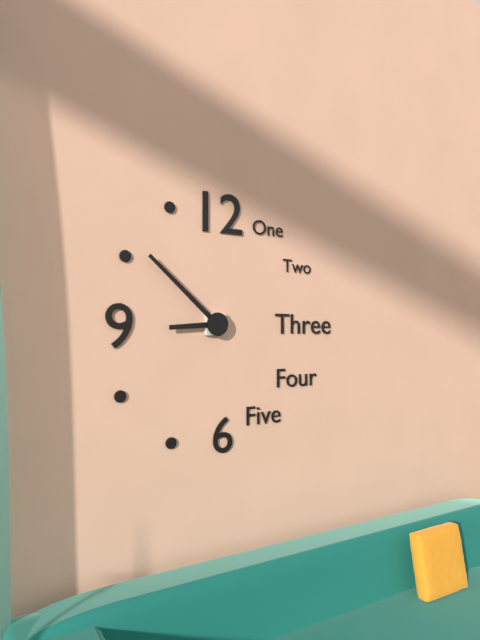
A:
8h52
